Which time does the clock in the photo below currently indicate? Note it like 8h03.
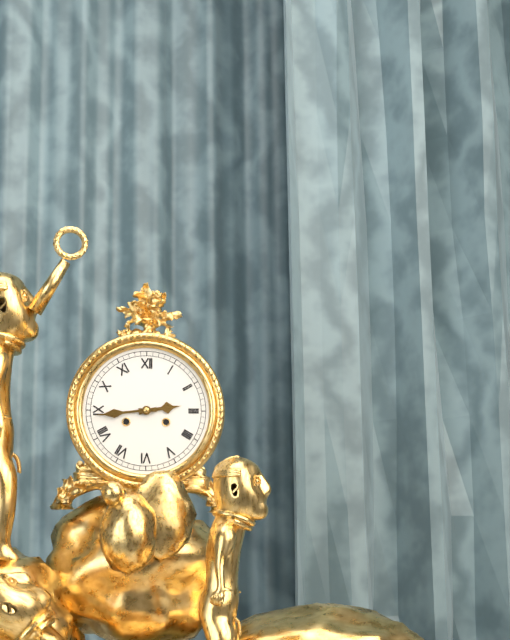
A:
2h44
